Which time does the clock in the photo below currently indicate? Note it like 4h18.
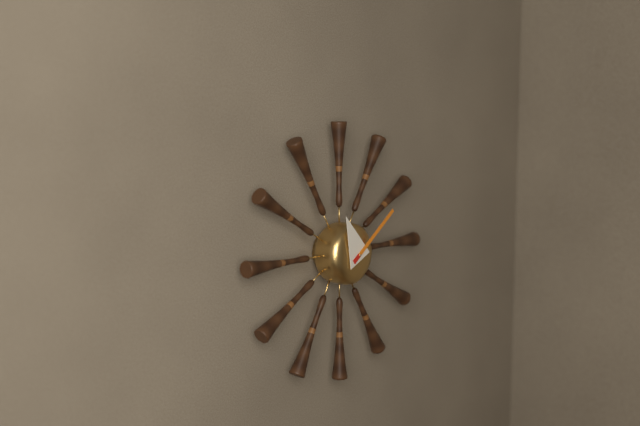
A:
11h09
